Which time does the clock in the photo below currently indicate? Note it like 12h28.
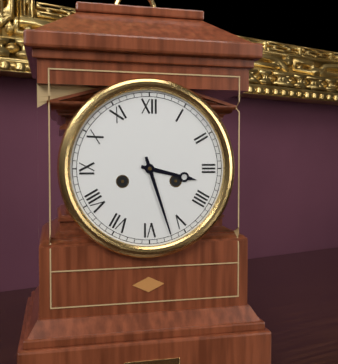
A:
3h27
